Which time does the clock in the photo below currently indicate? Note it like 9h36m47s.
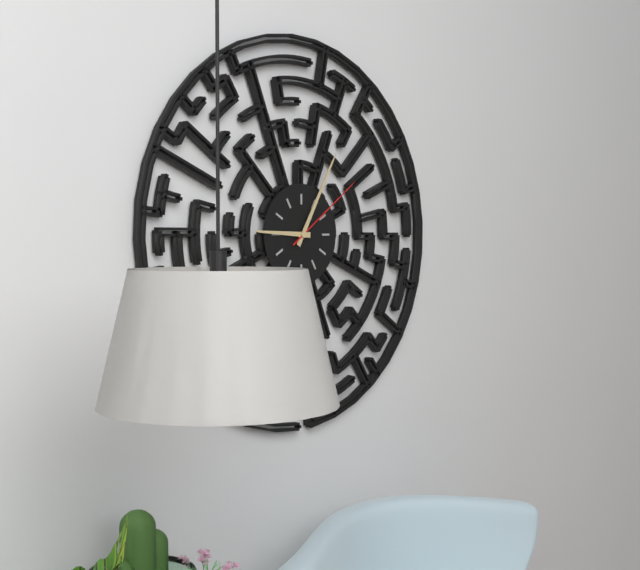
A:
9h05m09s
